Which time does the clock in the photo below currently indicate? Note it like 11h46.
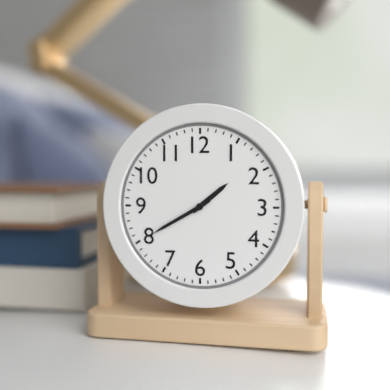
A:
1h40
